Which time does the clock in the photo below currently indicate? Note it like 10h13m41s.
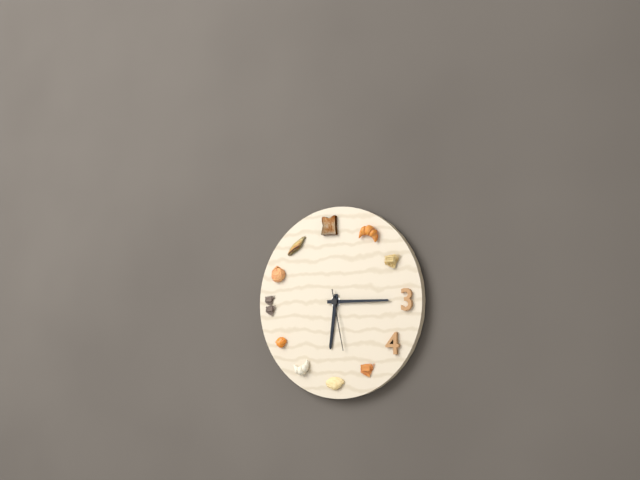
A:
6h15m28s
